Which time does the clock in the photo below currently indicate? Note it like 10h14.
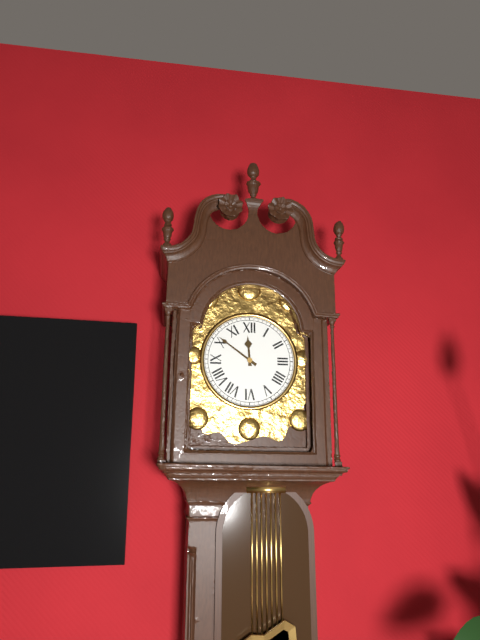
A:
11h51
